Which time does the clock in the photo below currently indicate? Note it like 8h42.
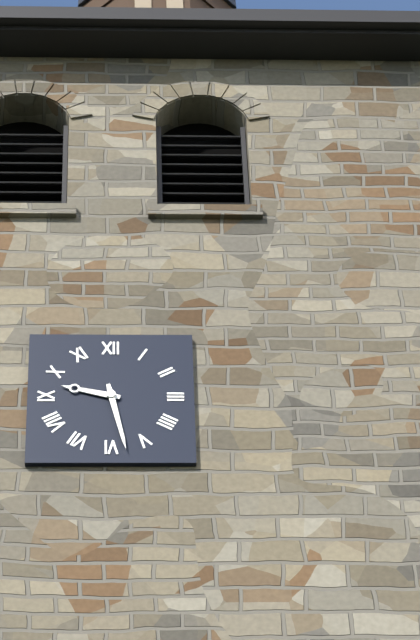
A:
9h28
